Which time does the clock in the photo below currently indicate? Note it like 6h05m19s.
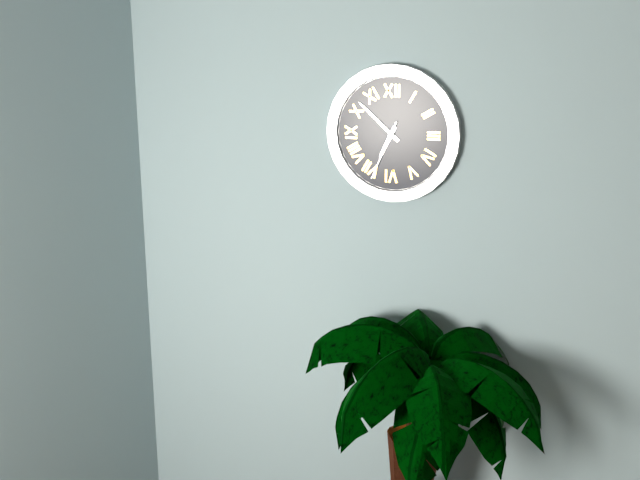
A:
6h52m34s
